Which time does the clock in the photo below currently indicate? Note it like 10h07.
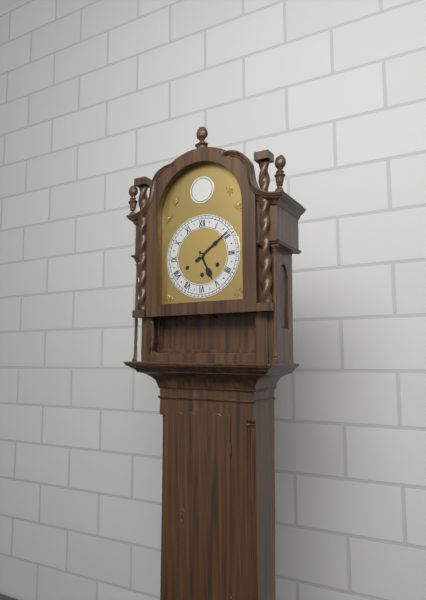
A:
5h09
